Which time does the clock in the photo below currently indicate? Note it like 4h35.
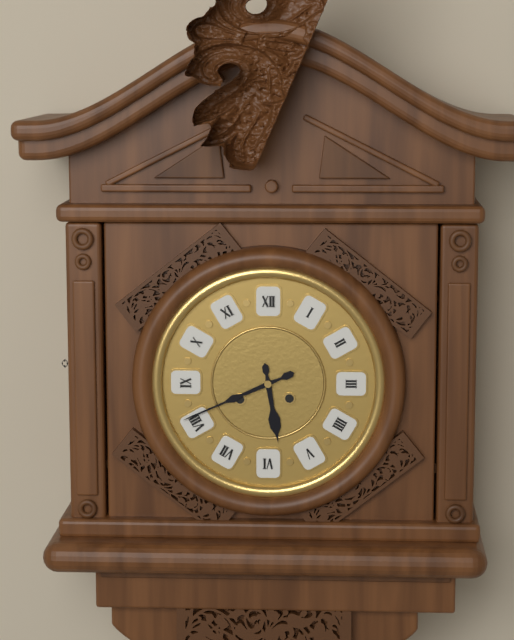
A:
5h41
